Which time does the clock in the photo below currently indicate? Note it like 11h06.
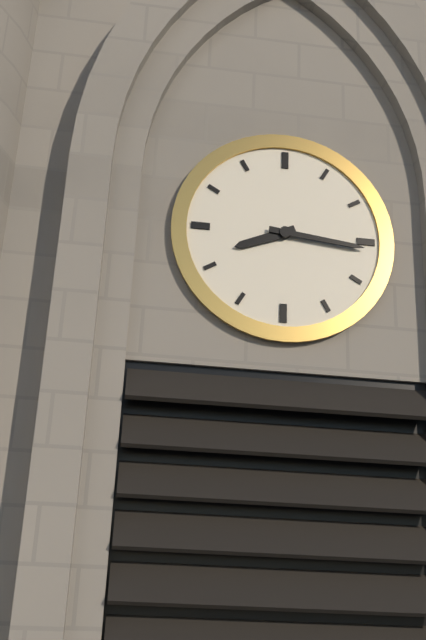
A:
8h16
